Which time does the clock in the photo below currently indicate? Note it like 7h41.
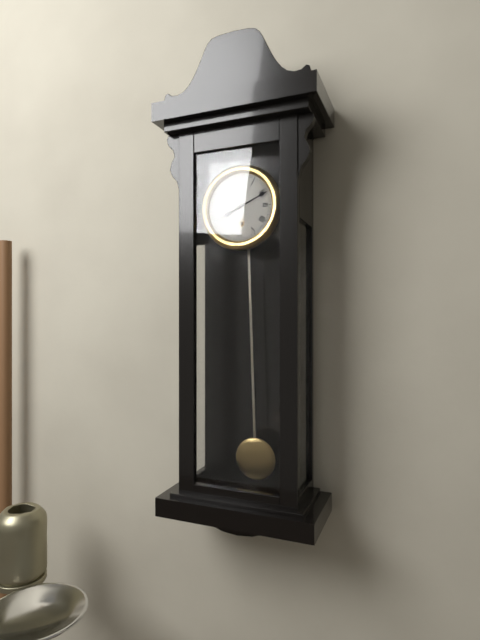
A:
8h11
